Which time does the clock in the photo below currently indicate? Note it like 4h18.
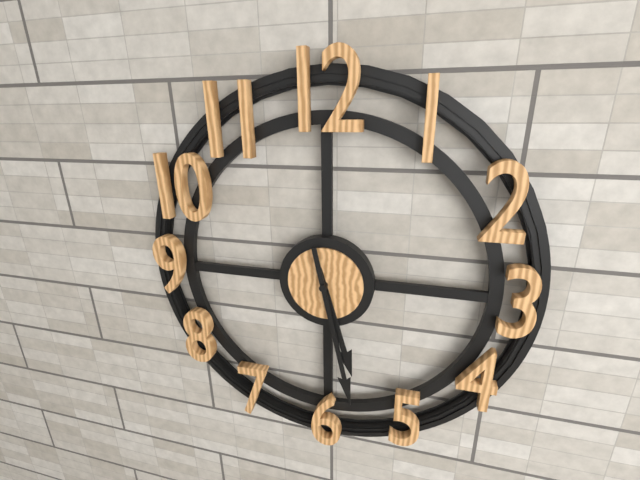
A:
5h28
